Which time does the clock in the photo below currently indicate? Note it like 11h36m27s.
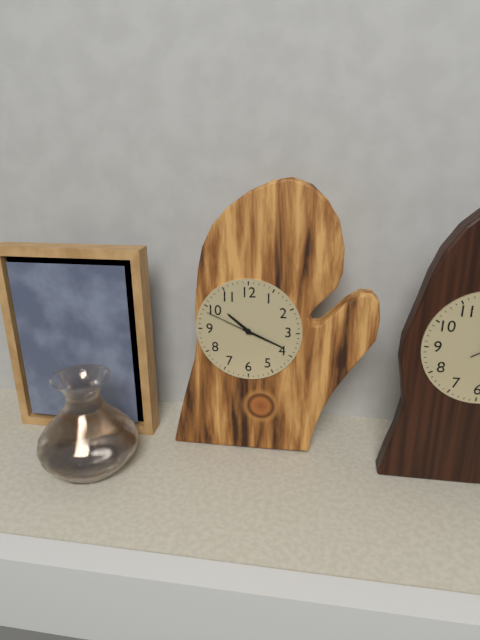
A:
10h19m49s
